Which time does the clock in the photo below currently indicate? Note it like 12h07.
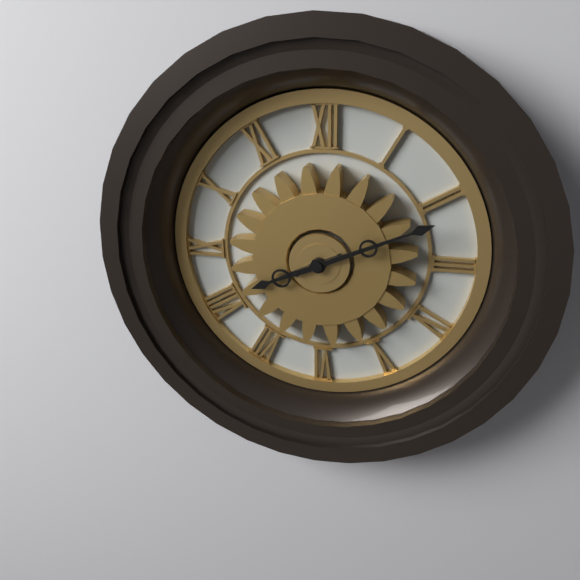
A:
8h11
